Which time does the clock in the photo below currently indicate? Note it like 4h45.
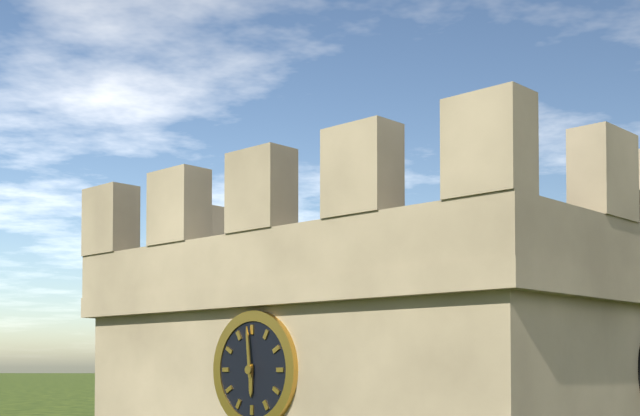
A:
5h59
